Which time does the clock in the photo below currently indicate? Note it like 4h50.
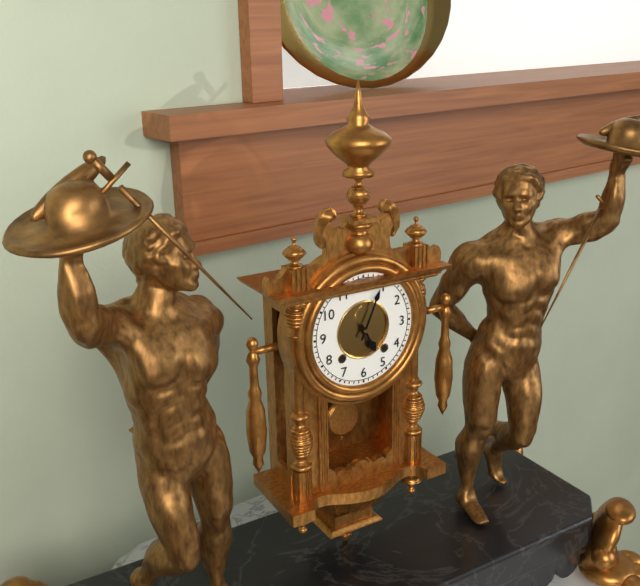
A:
5h04
